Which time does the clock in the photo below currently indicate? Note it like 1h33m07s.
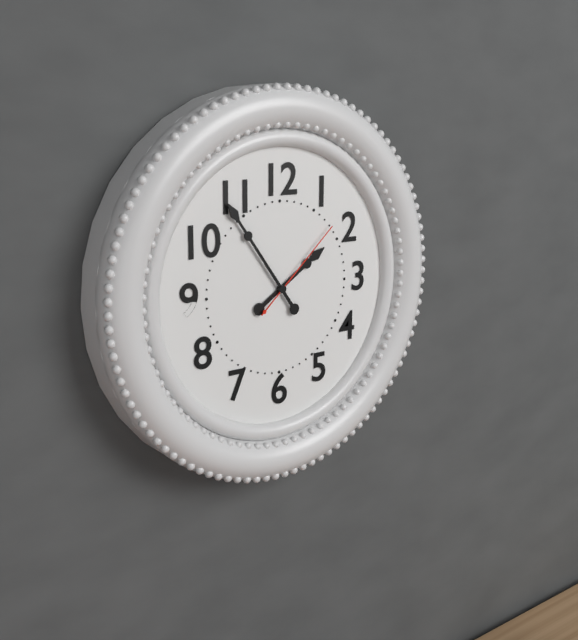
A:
1h54m08s
